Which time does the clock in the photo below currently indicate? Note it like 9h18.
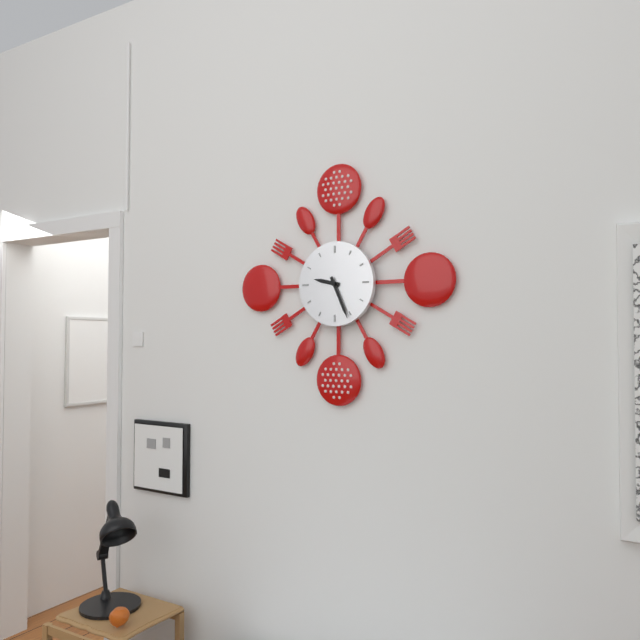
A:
9h26
